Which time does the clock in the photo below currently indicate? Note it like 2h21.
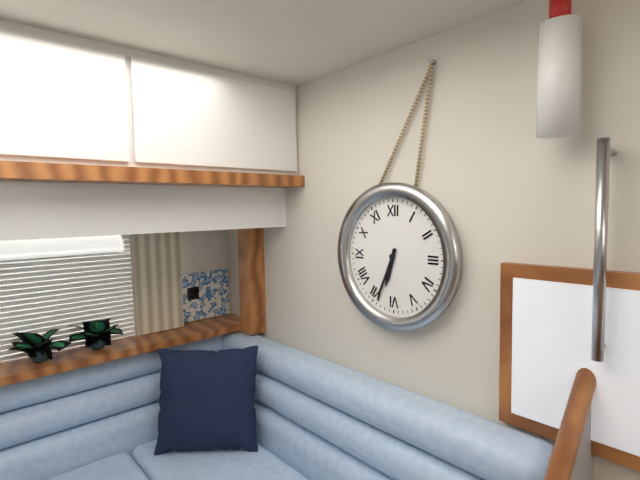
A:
6h34
